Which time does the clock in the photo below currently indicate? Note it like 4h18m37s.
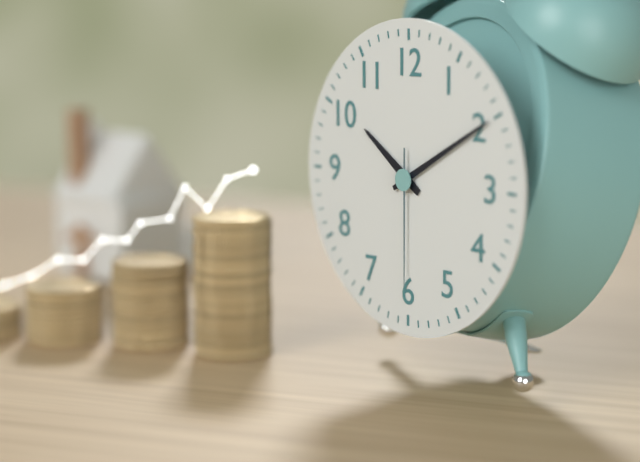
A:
10h10m30s
